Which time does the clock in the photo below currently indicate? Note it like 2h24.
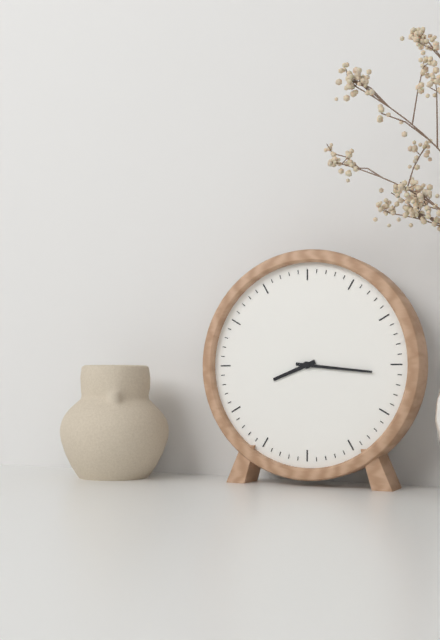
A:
8h16
